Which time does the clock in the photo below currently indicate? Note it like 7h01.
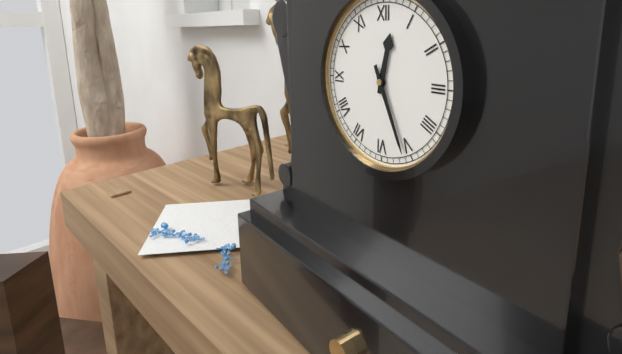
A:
12h26
